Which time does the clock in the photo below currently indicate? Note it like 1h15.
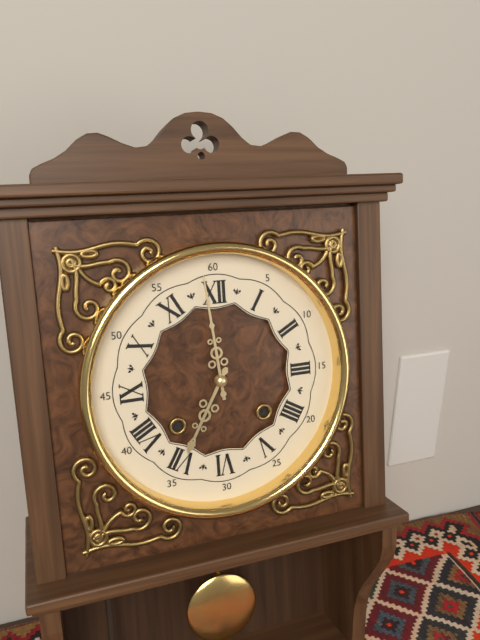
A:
6h59
